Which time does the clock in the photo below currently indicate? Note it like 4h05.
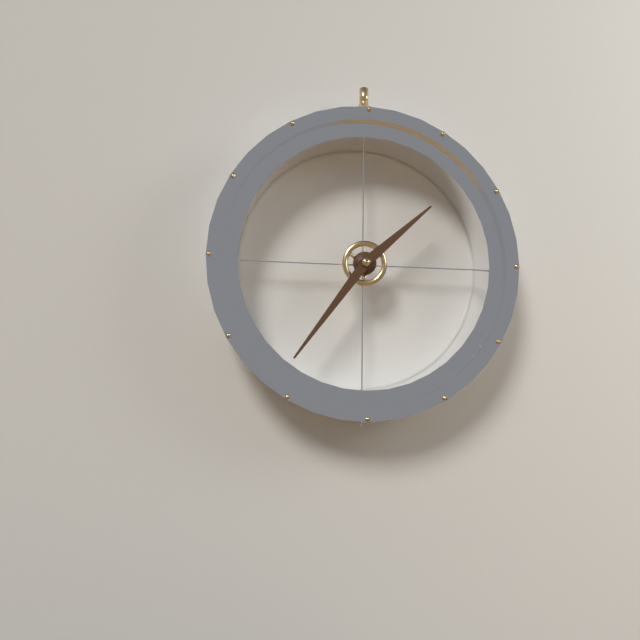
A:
1h36
